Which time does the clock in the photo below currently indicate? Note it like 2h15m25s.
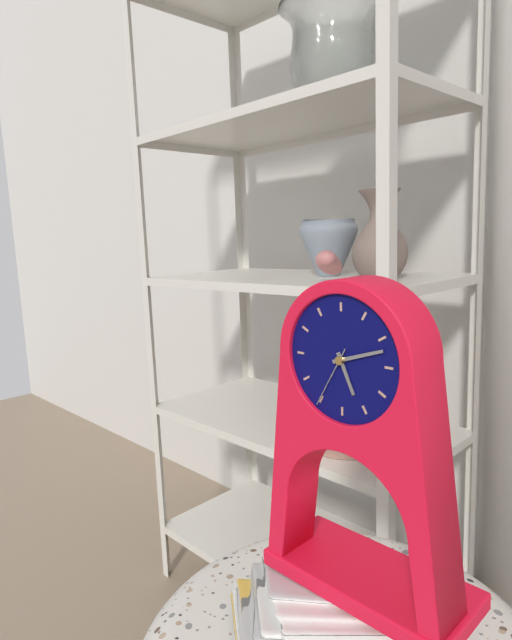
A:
5h12m35s
